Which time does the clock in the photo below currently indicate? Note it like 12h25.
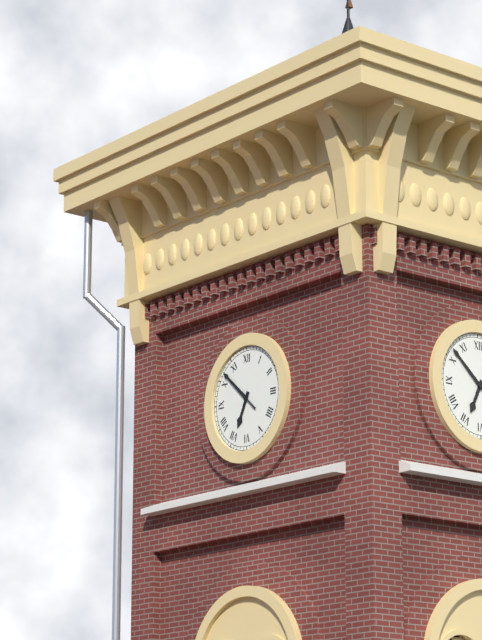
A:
6h52
